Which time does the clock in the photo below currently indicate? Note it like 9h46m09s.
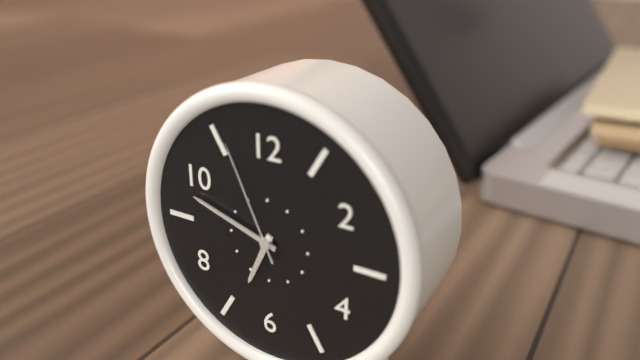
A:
6h48m56s
